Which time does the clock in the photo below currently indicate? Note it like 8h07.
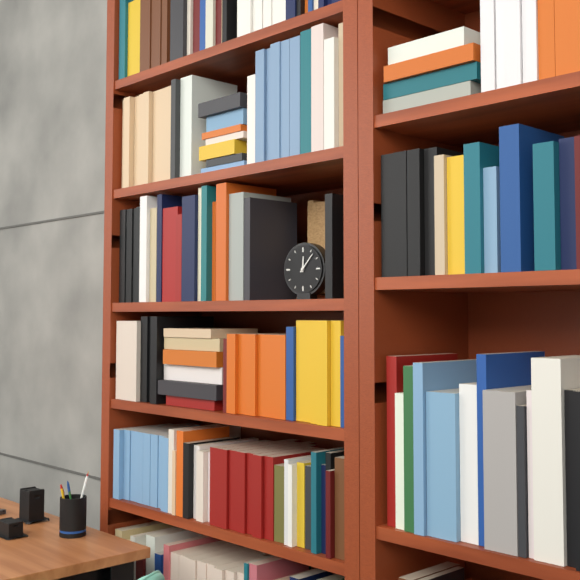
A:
12h07
